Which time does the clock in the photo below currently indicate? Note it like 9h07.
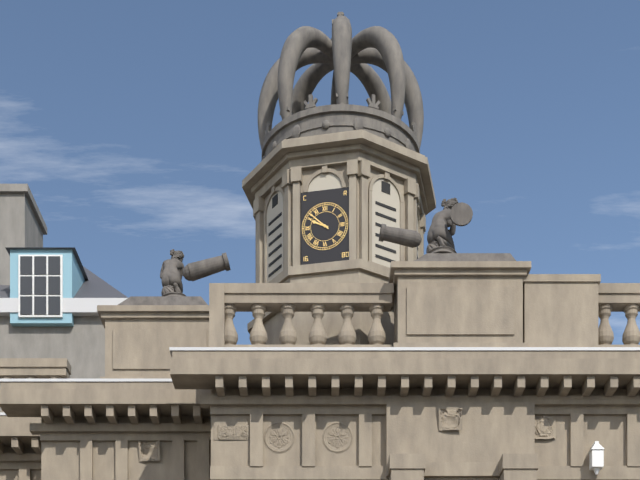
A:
9h52
